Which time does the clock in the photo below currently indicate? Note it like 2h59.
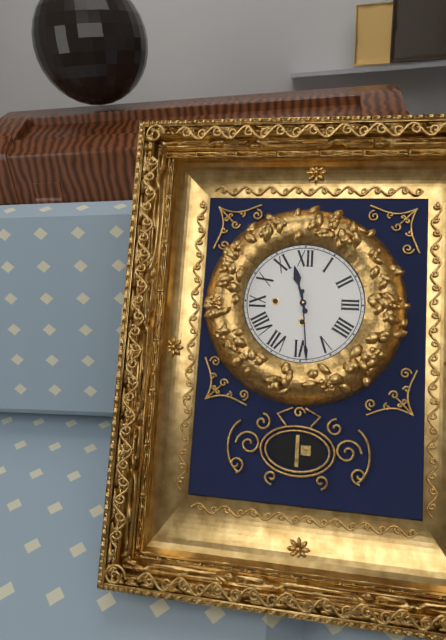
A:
11h29
